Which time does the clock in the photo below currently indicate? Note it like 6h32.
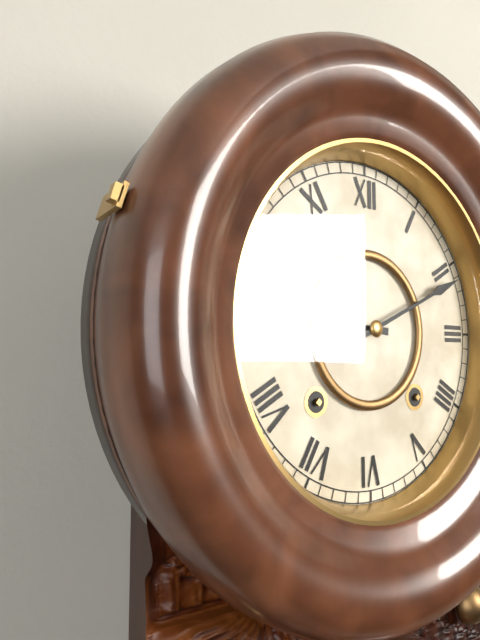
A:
9h11
